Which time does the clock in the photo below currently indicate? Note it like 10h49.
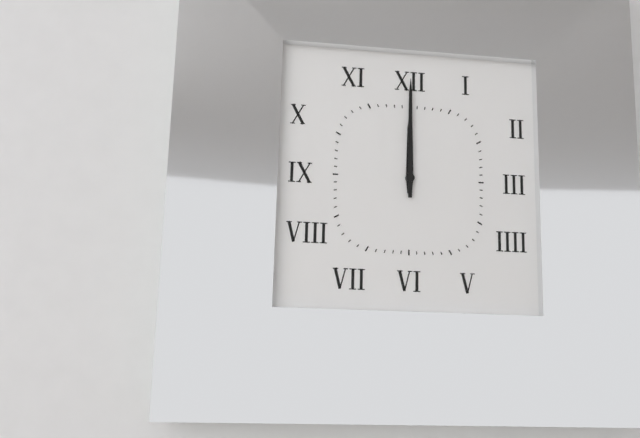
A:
12h00
